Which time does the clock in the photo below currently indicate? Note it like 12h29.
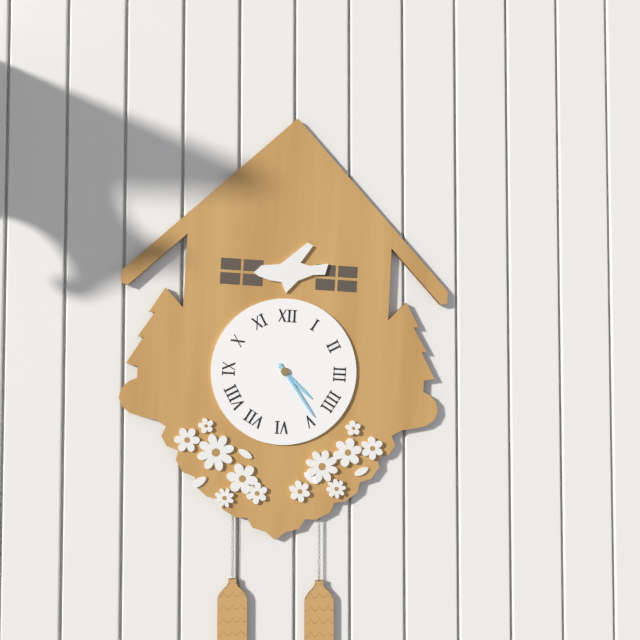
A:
4h24
